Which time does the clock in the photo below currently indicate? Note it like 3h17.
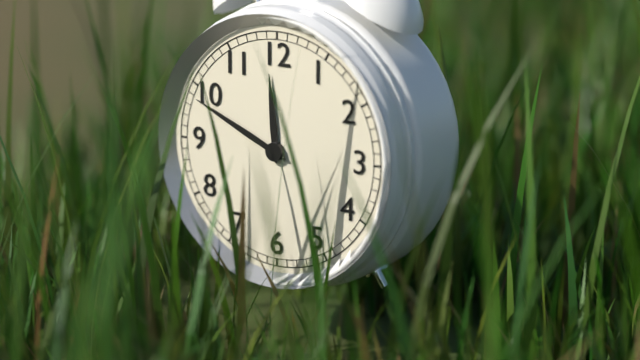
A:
11h49
